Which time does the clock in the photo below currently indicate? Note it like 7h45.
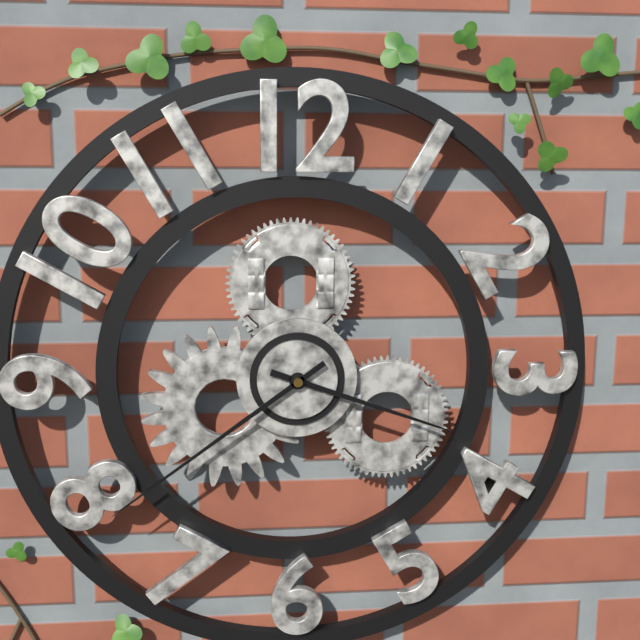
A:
3h39
